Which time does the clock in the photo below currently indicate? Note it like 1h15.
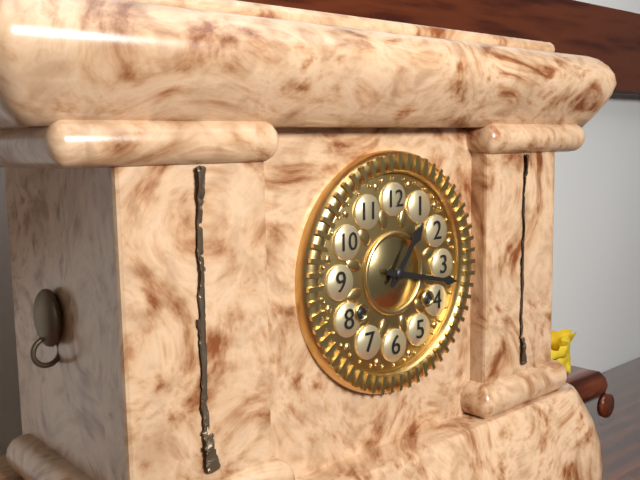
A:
1h17
